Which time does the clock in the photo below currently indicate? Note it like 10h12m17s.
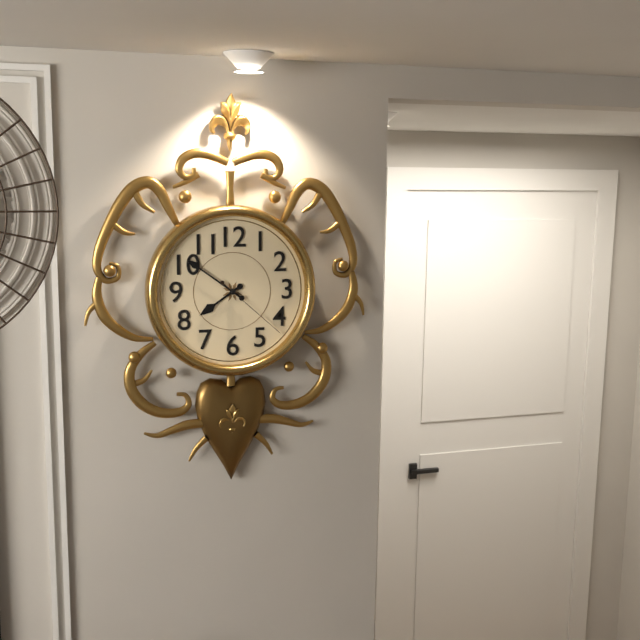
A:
7h51m22s
